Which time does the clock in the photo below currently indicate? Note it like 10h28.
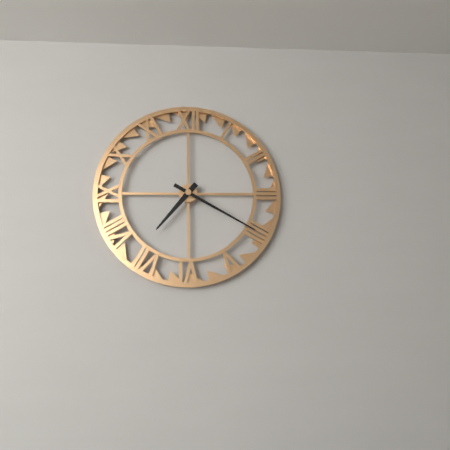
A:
7h20
